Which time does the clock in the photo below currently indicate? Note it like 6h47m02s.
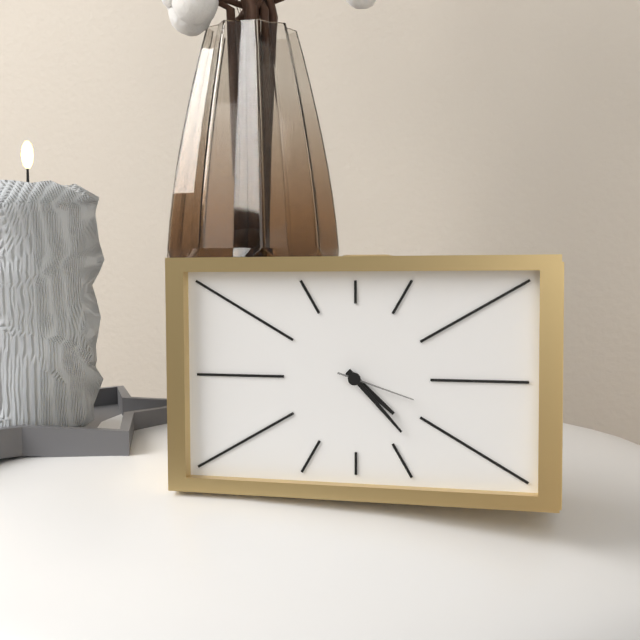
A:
4h23m18s
